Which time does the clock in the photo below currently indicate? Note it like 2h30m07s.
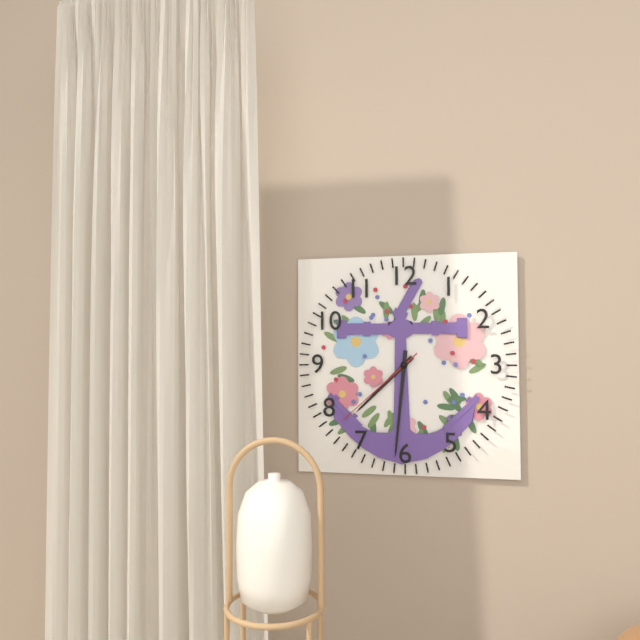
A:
7h31m38s
